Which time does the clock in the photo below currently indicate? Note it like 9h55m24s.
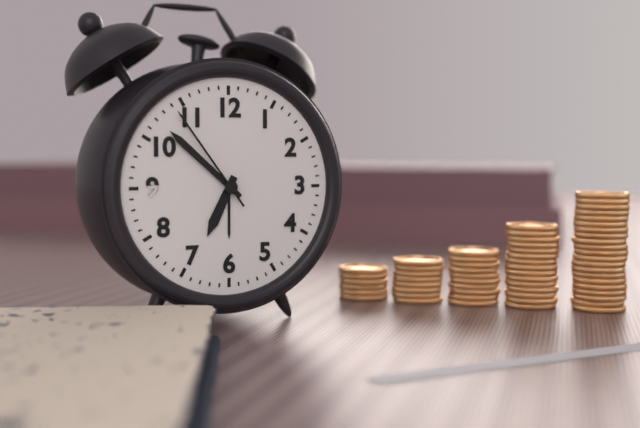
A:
6h52m54s
